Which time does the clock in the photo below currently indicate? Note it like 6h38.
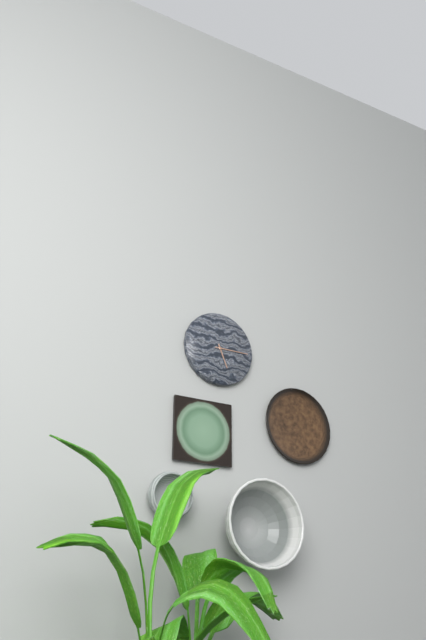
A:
5h15
